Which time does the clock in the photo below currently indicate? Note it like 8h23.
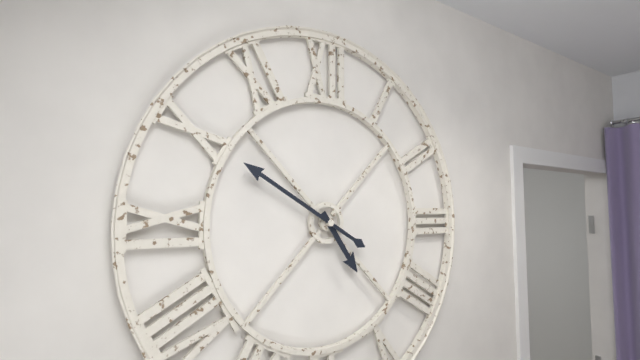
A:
4h50
